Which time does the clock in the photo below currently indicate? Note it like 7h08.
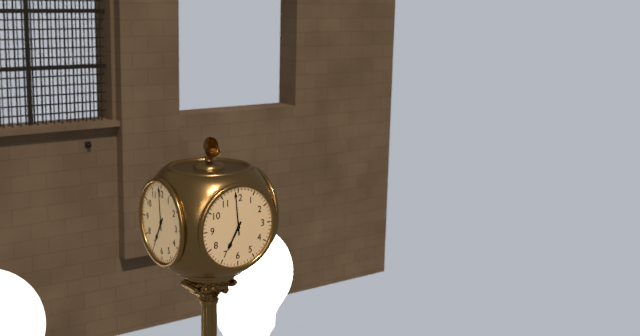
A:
6h59
